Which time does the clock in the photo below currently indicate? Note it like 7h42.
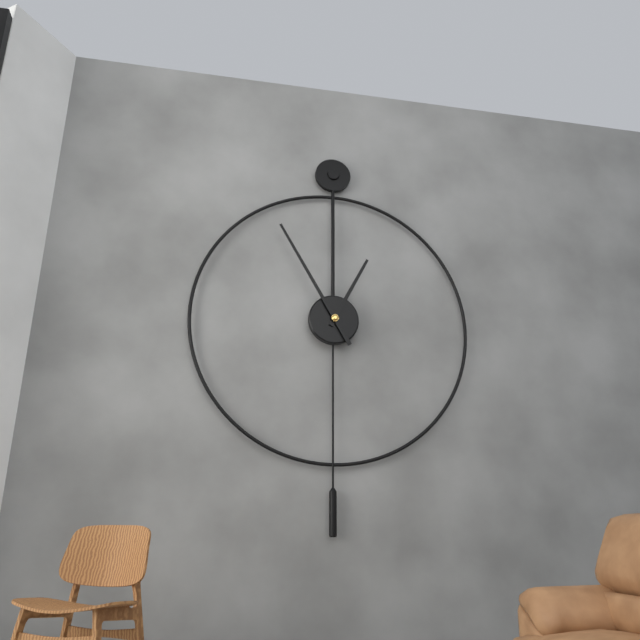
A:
12h55
